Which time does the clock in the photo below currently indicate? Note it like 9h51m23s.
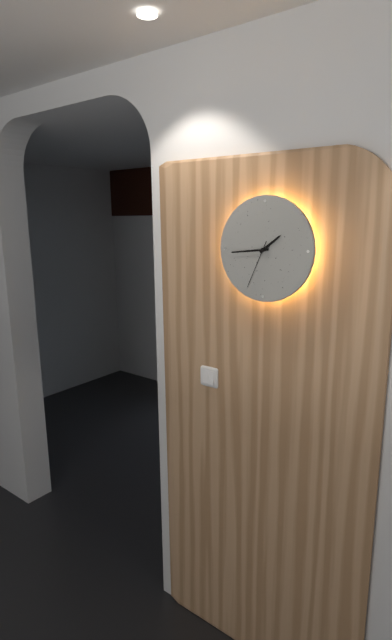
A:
1h44m34s
